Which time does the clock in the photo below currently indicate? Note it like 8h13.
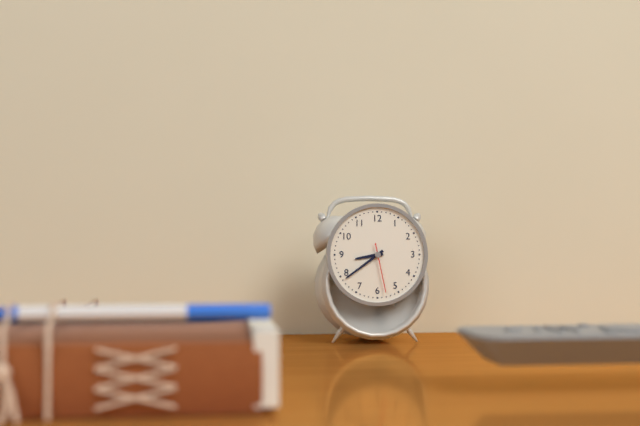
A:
8h39
